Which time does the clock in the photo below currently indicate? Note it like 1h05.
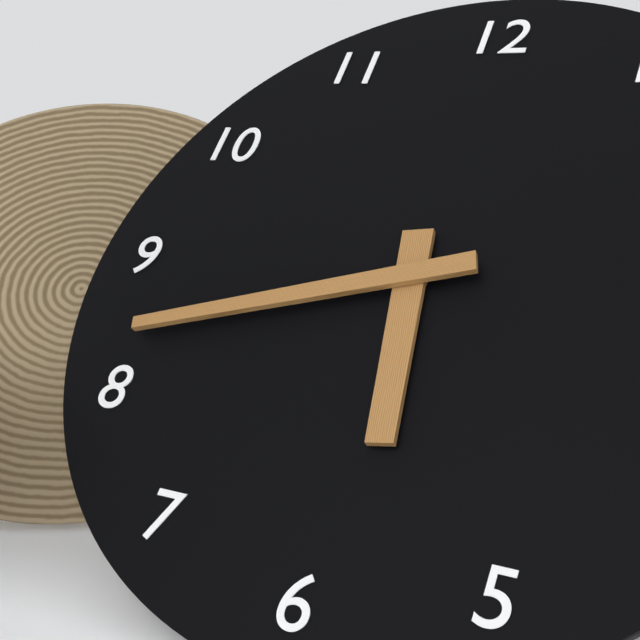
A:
5h42
